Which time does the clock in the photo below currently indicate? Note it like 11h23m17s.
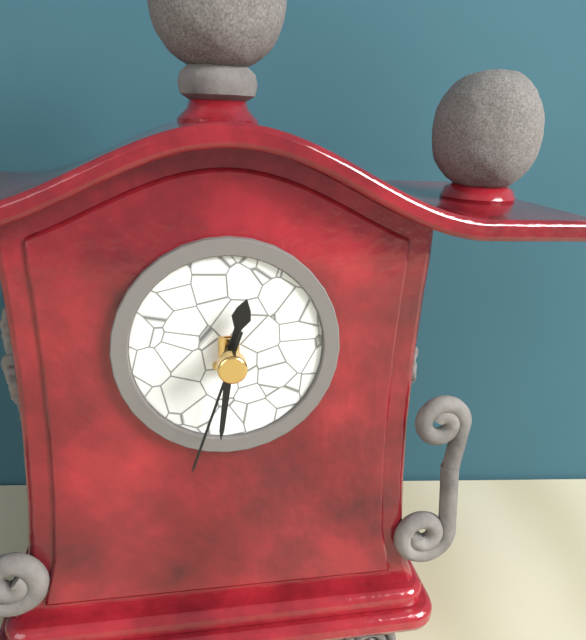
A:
12h31m33s
